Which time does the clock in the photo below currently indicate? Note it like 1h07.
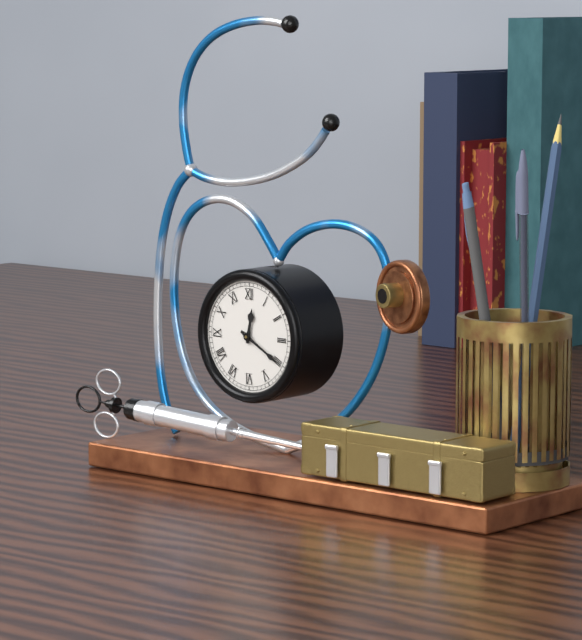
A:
12h20
